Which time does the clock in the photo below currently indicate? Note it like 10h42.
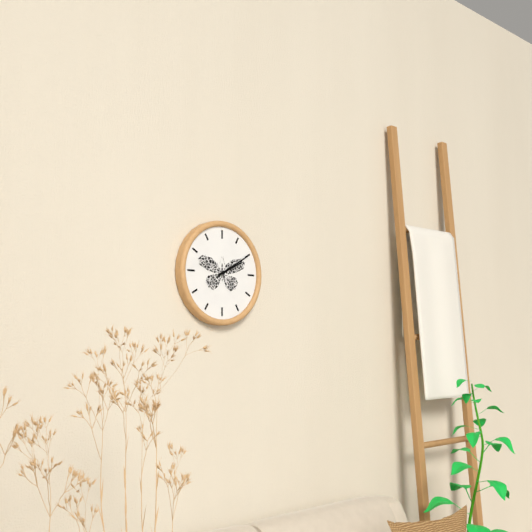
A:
2h10
